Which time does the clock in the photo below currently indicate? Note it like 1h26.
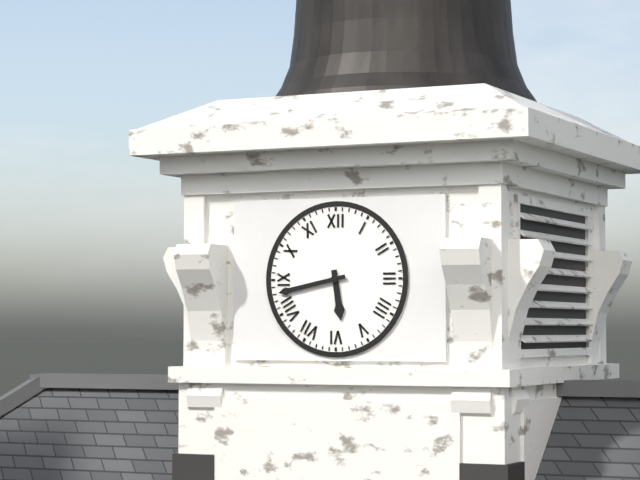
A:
5h43
